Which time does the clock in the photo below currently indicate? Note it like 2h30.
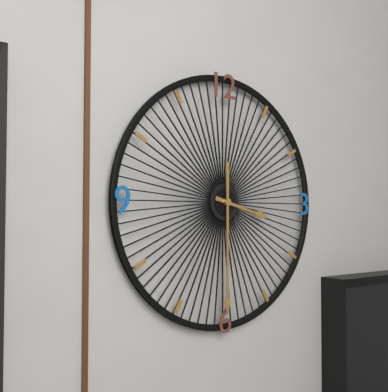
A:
3h30
